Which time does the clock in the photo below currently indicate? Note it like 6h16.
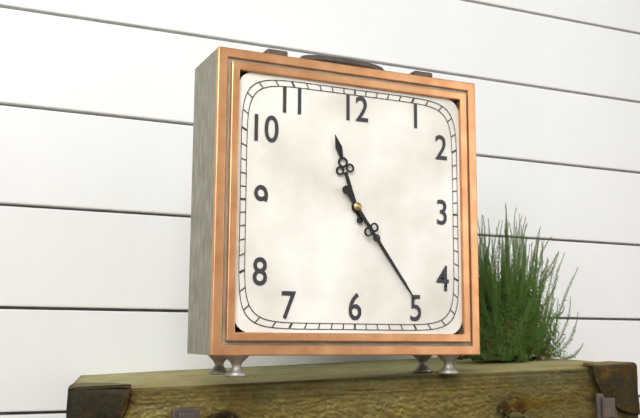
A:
11h24
